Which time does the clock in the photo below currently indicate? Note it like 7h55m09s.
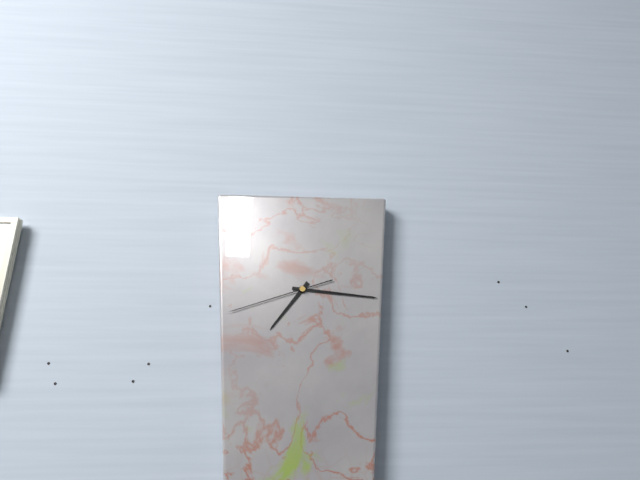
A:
7h16m42s
